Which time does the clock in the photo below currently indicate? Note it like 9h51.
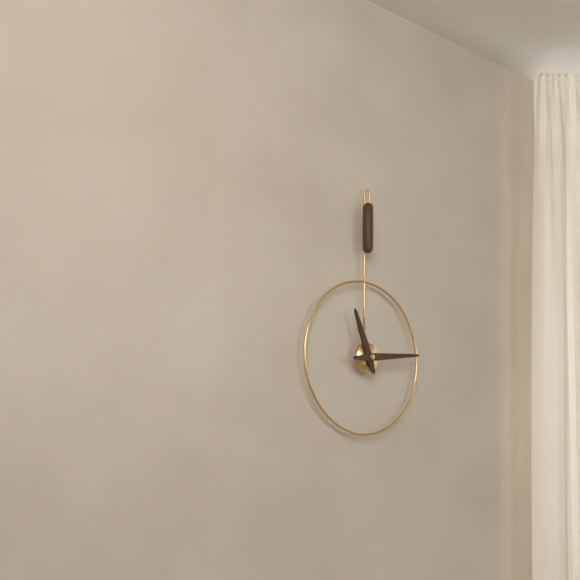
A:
11h14
